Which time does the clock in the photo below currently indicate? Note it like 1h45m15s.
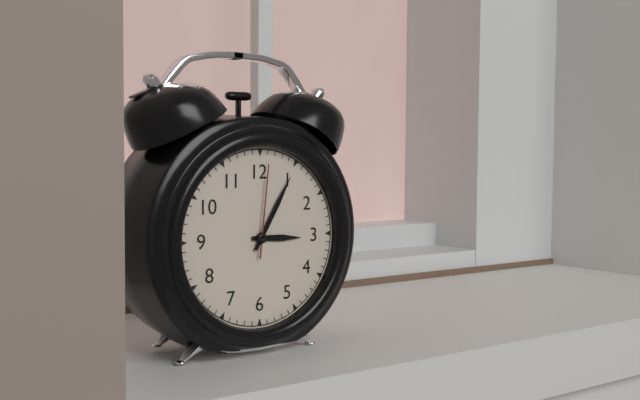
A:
3h05m01s
